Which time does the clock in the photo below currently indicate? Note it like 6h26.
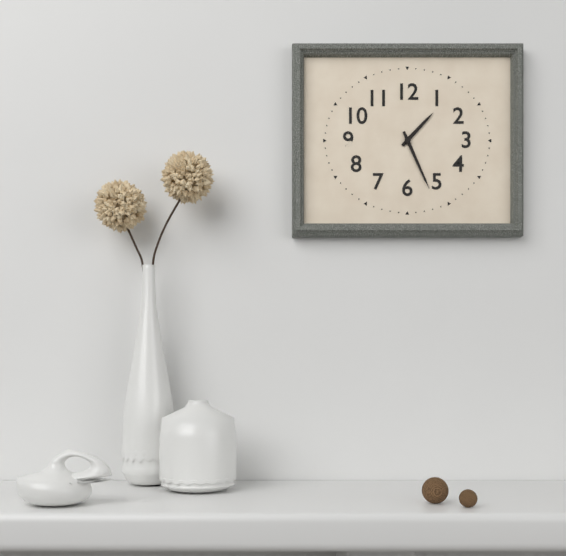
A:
1h26
